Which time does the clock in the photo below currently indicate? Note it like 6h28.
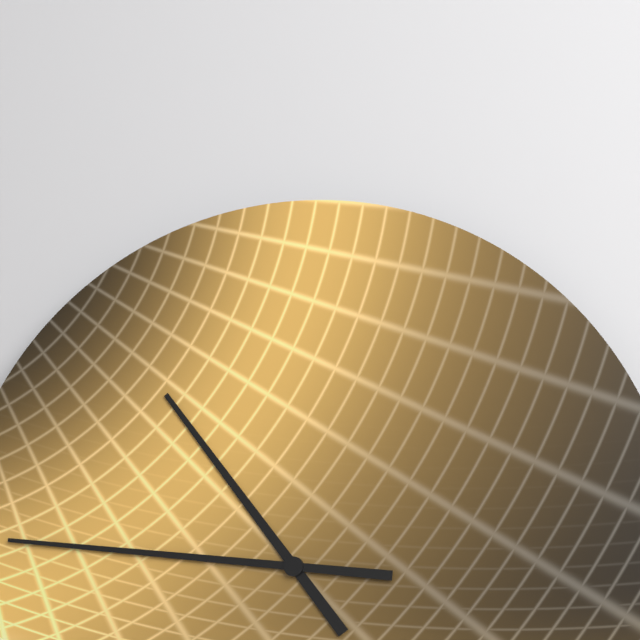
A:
10h46
